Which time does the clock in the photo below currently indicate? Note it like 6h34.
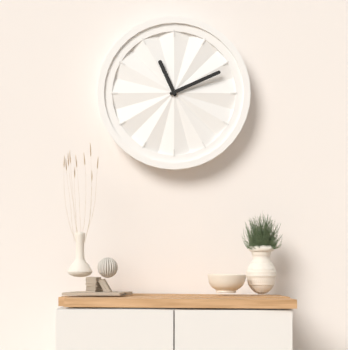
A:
11h11
